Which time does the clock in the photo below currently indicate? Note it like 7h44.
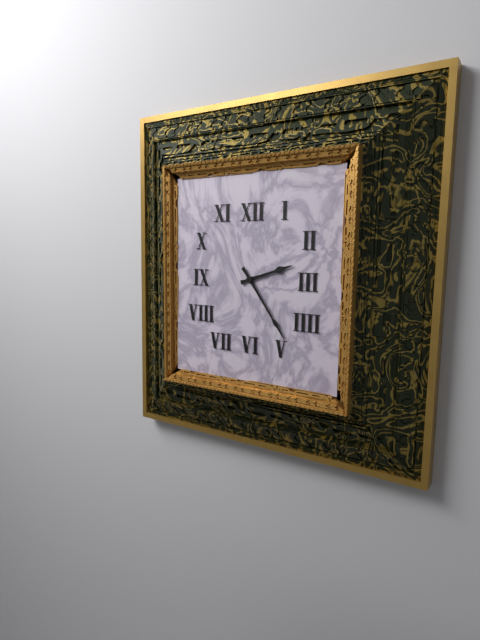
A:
2h24
